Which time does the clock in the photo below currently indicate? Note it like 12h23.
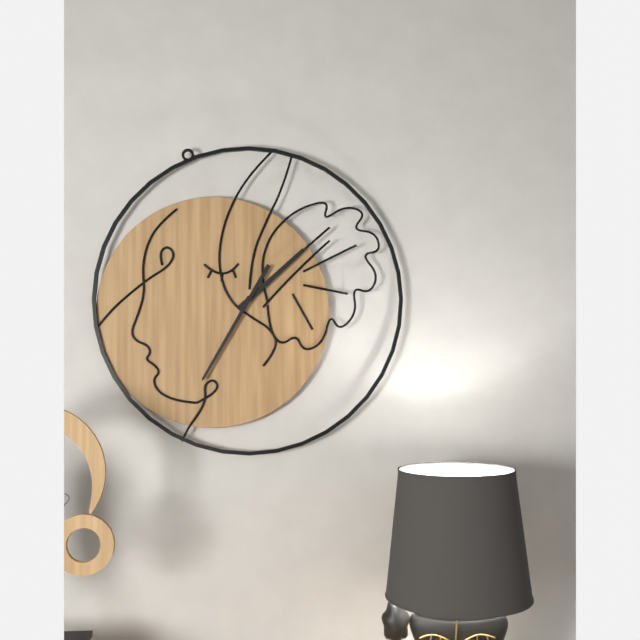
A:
1h35
